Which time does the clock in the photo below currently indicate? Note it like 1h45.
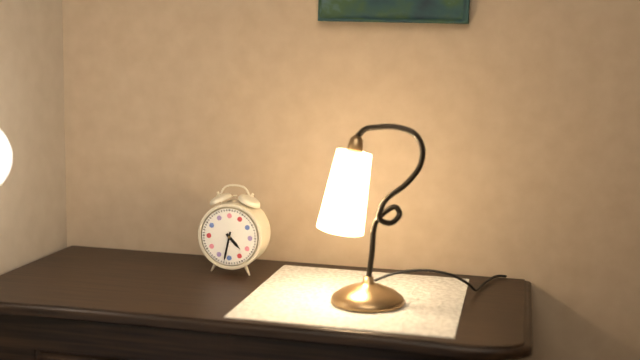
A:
4h32
